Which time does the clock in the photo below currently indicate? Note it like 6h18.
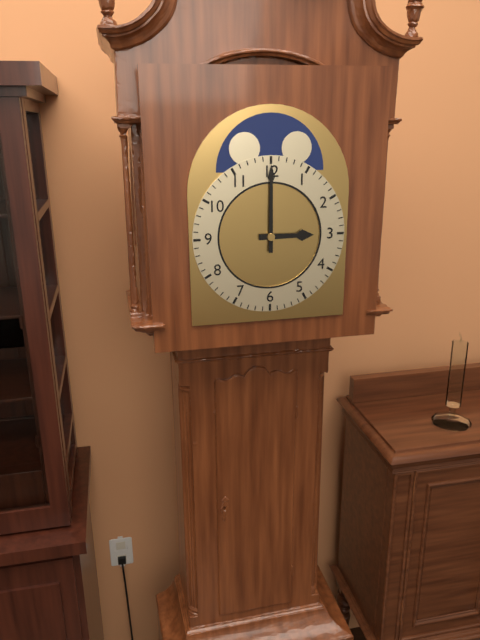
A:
3h00
